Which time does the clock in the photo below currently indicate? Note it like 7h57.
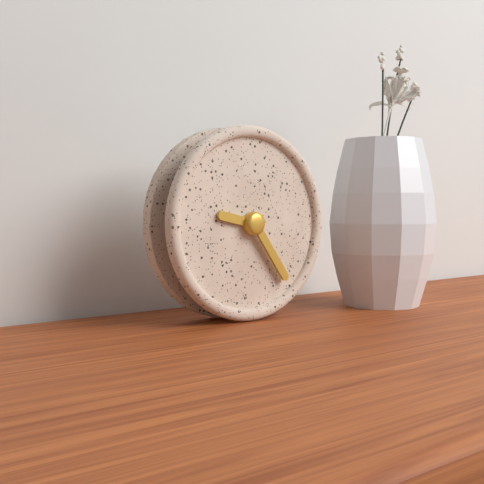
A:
9h24
